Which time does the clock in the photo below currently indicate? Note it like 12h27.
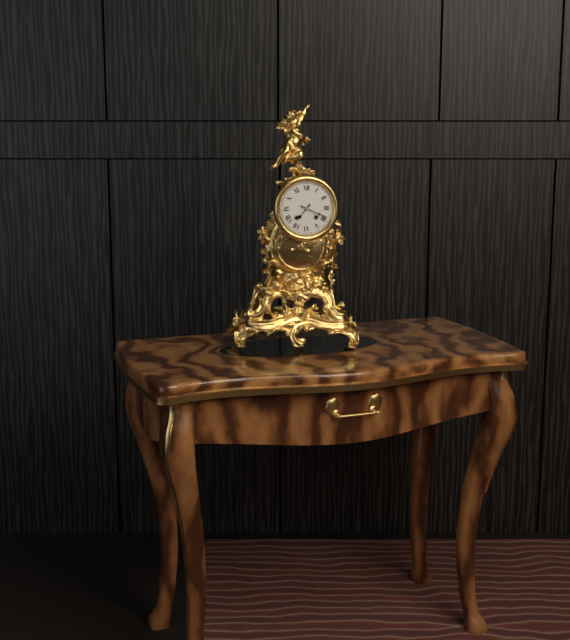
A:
7h19
